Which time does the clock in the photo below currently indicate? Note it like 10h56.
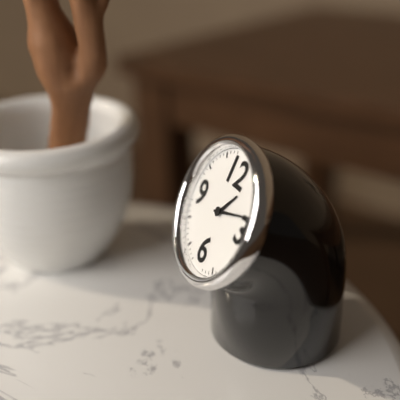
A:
1h12
